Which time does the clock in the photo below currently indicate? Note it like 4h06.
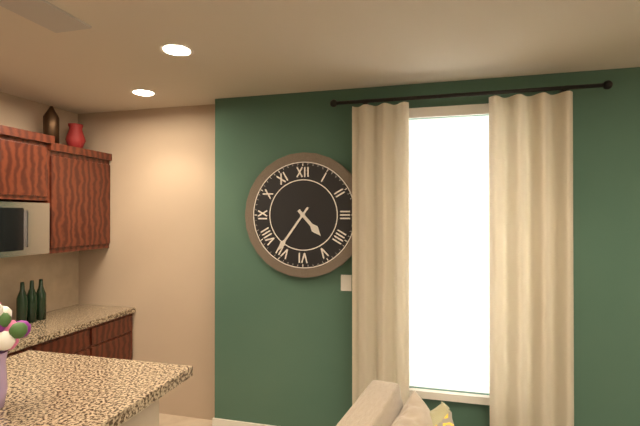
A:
4h36
